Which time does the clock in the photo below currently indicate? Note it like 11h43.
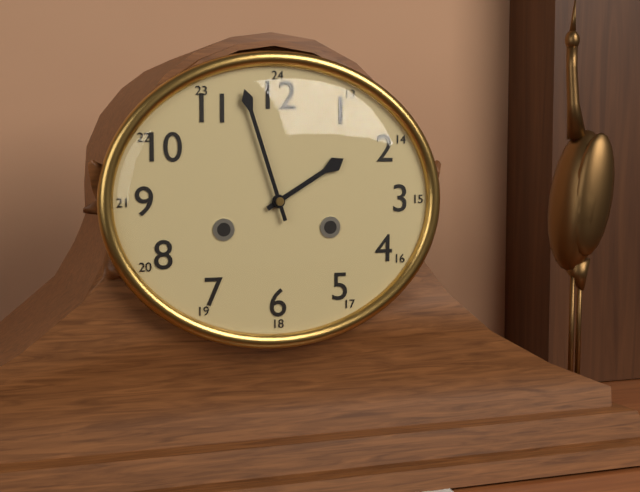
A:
1h57
